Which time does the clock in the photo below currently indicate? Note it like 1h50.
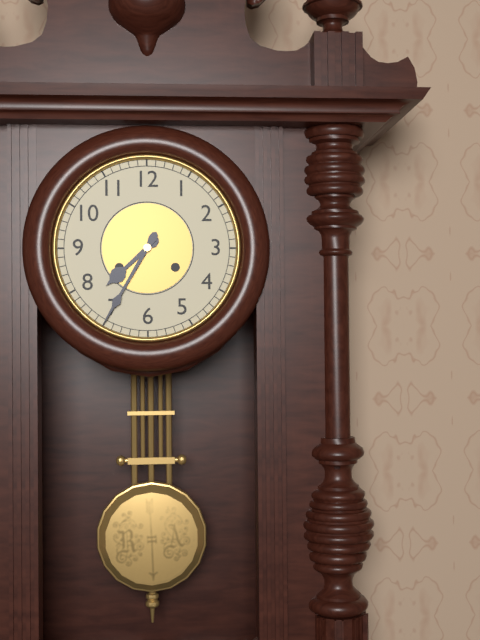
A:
7h35
